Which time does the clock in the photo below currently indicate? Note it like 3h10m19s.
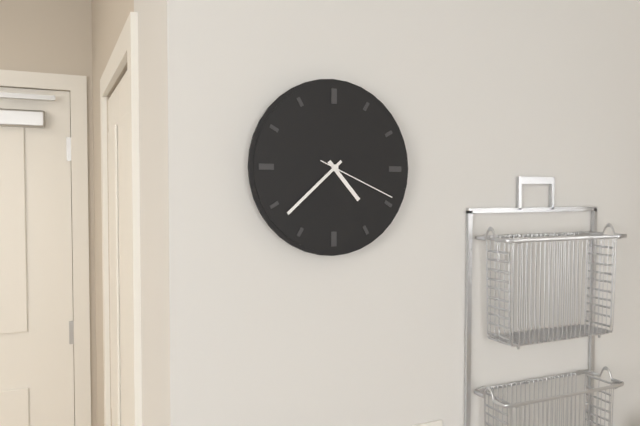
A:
4h38m19s
